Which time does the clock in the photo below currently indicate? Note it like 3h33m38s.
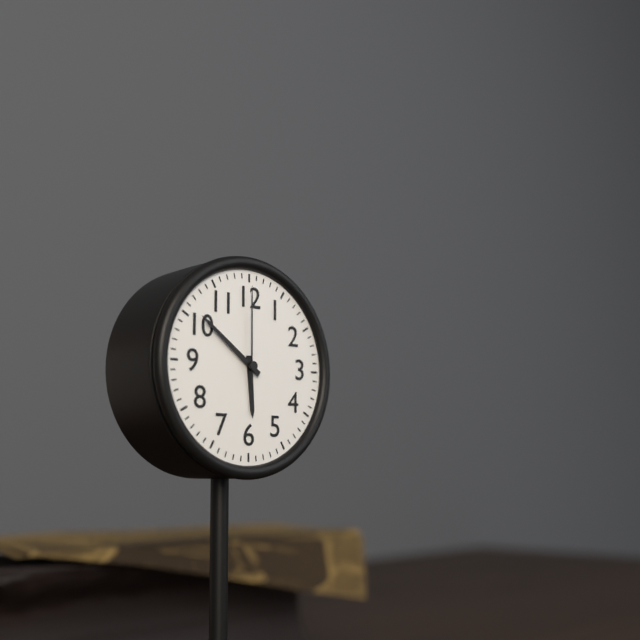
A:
5h51m00s
